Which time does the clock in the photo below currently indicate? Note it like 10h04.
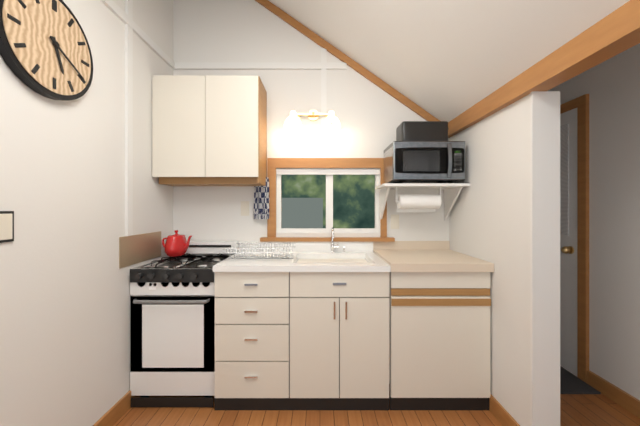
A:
5h20
